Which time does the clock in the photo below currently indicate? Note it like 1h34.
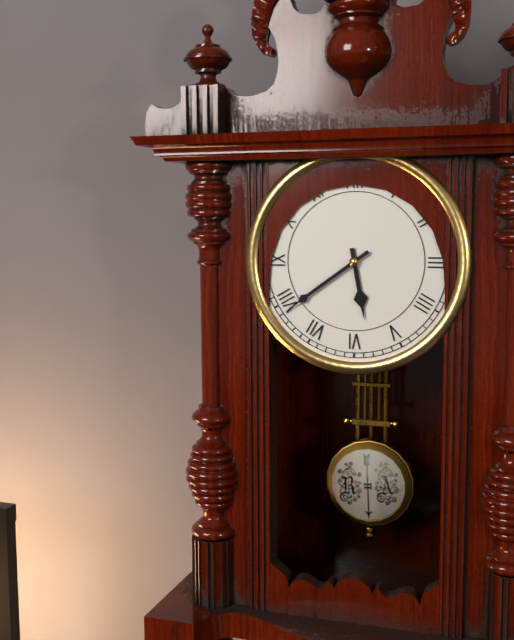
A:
5h39
